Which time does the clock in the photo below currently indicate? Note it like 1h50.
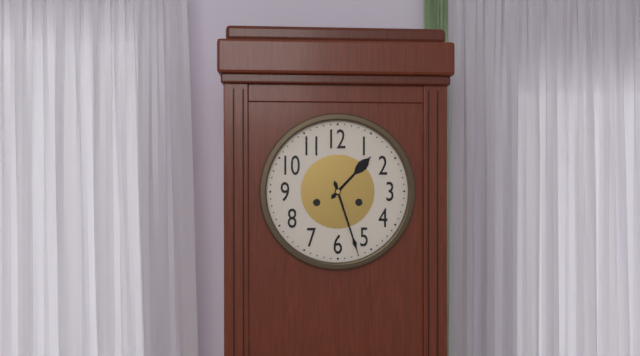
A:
1h27
